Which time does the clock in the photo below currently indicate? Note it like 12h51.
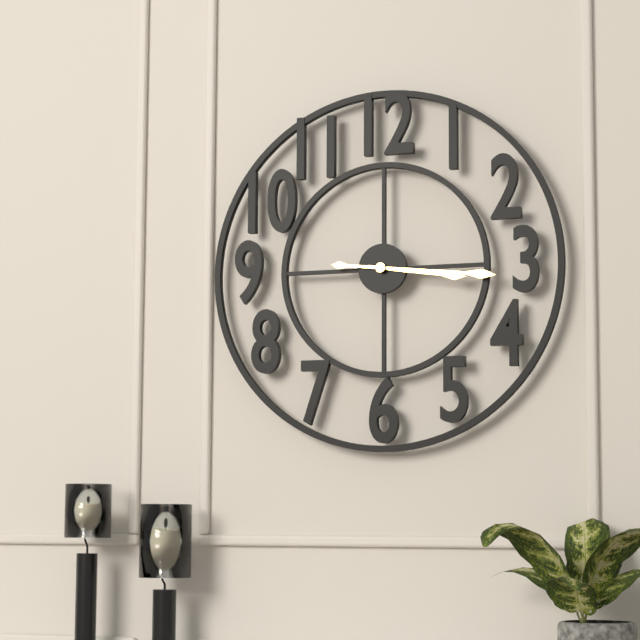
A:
3h16
